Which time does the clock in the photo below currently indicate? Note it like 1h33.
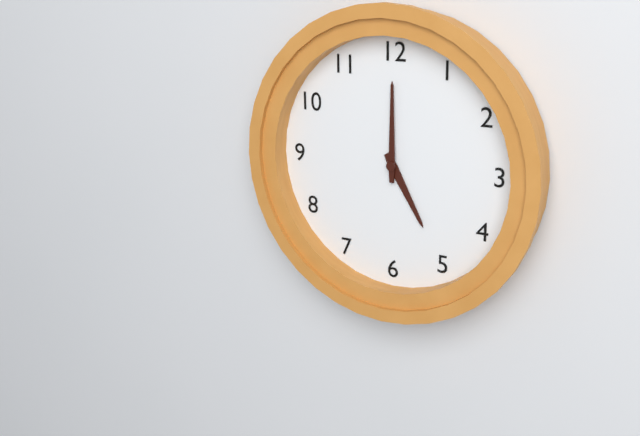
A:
5h00
